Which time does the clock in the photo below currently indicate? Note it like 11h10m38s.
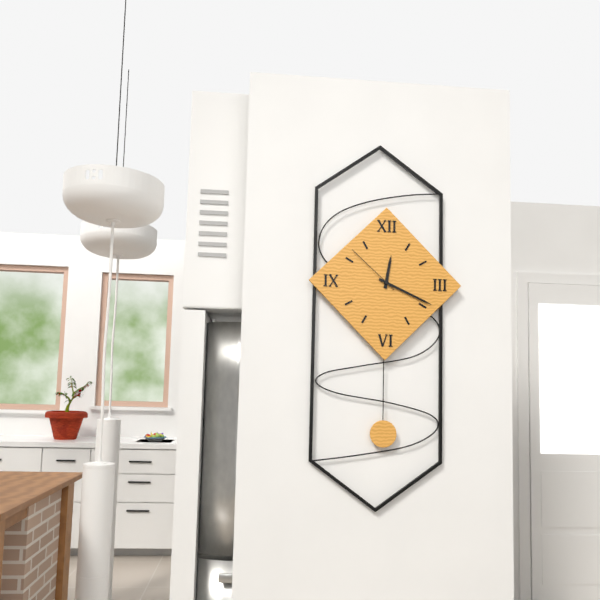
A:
12h19m52s
